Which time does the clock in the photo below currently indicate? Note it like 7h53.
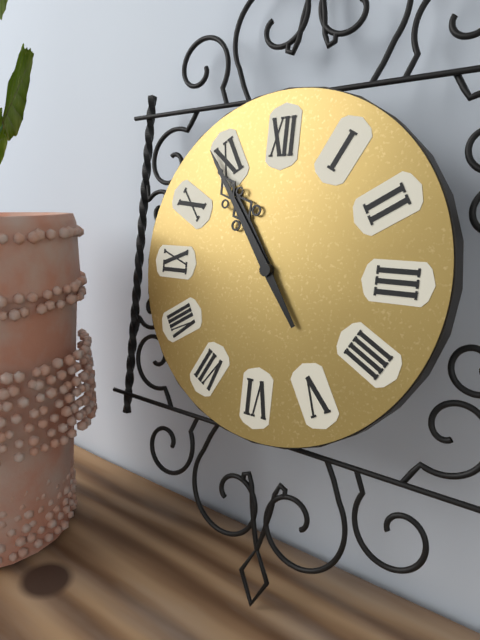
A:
10h54
